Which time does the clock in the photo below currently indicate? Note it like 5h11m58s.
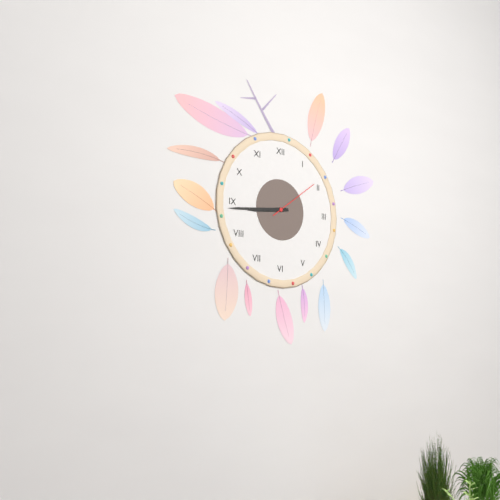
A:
8h44m09s
